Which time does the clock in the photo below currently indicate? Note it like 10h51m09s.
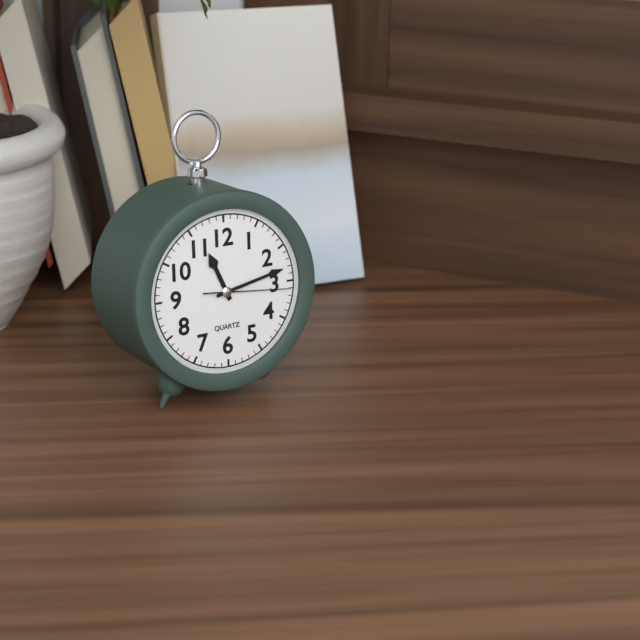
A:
11h13m16s
